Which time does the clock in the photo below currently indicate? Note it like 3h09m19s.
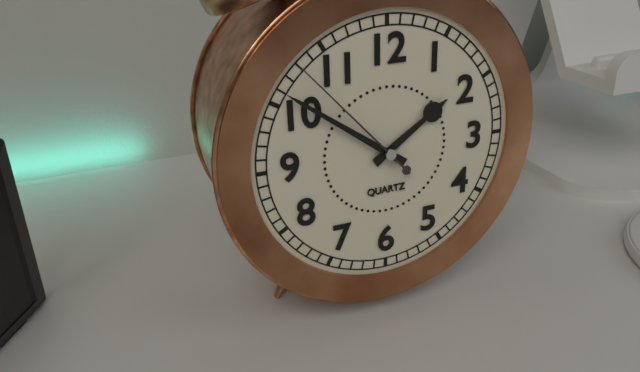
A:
1h51m53s
